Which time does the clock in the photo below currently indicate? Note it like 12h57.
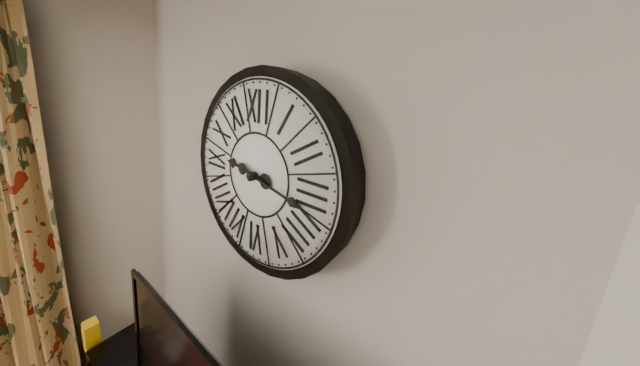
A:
9h17
